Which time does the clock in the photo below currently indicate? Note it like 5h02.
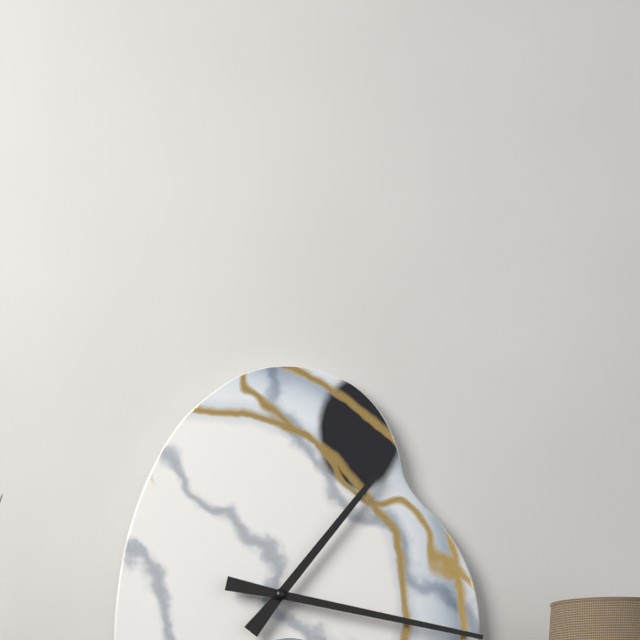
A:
1h17
